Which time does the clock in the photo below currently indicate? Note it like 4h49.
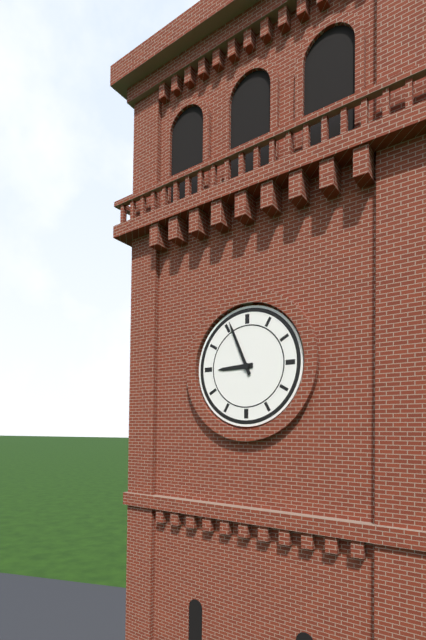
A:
8h56
